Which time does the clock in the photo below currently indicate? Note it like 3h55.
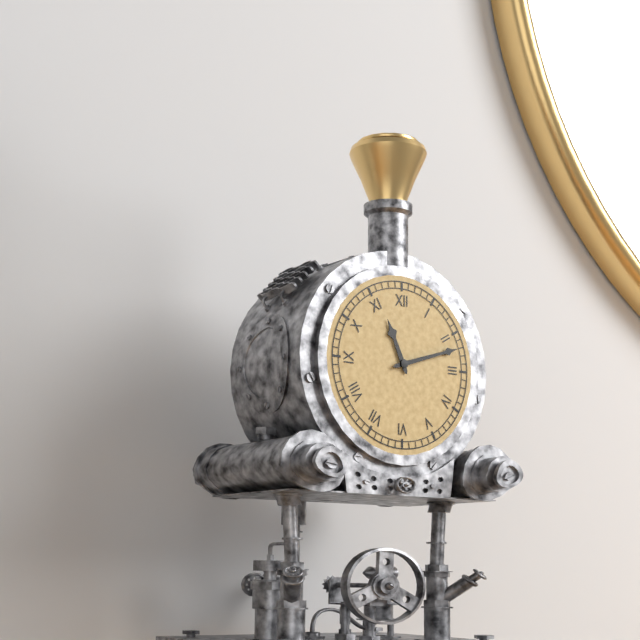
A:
11h12
